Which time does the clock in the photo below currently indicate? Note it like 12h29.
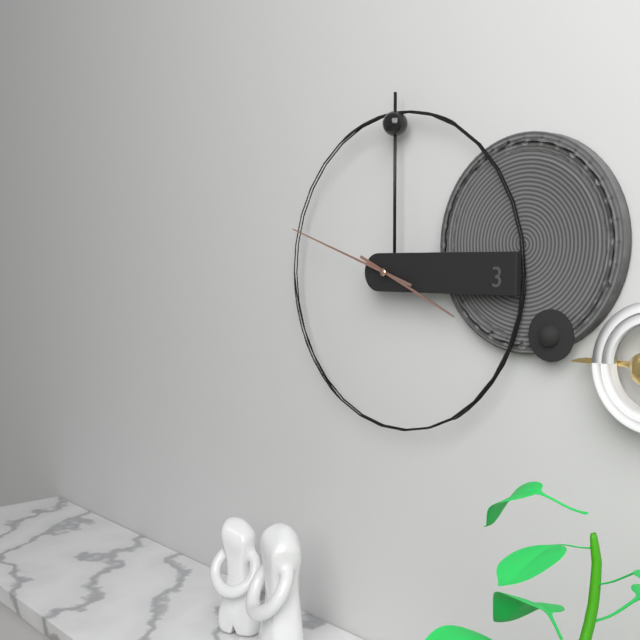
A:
3h48
